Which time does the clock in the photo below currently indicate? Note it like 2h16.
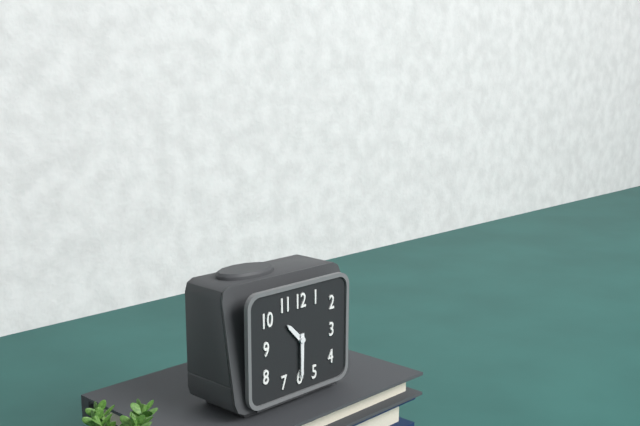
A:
10h30
